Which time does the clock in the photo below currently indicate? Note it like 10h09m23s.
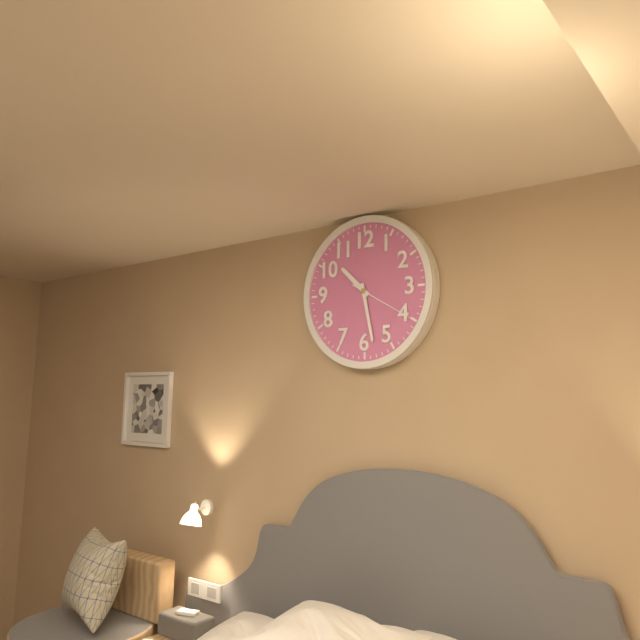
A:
10h28m20s
